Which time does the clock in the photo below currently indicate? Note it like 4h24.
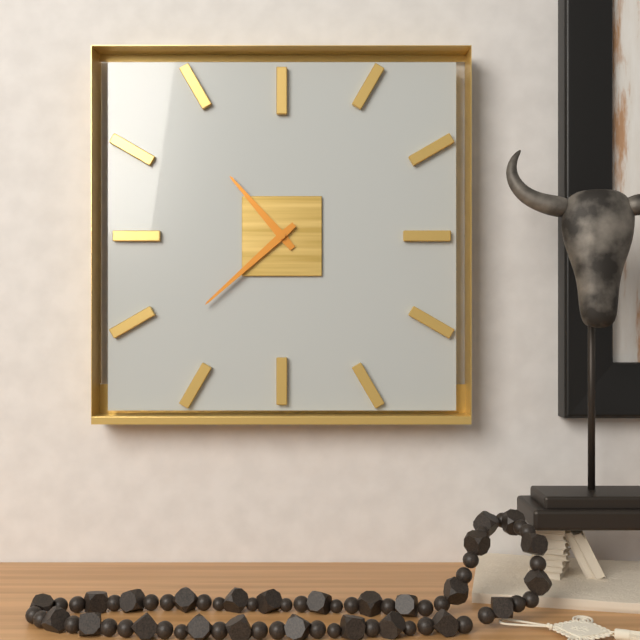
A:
10h38
